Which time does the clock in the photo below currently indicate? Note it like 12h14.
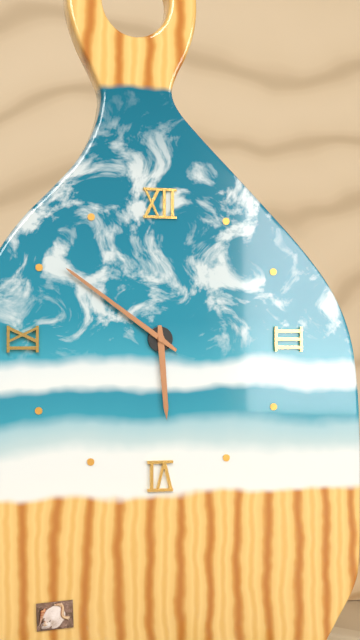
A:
5h51
